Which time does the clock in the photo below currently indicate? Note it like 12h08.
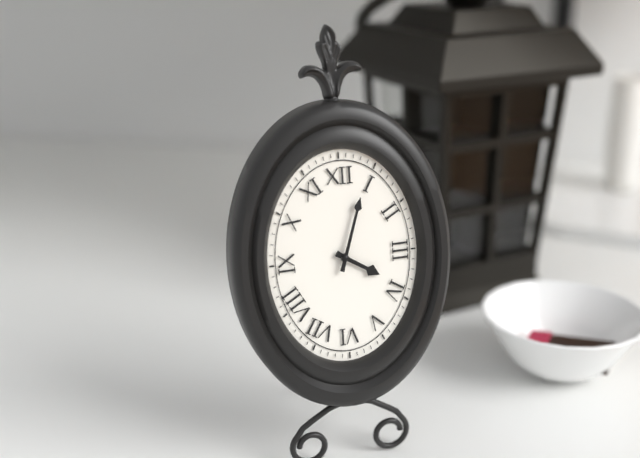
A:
4h03
